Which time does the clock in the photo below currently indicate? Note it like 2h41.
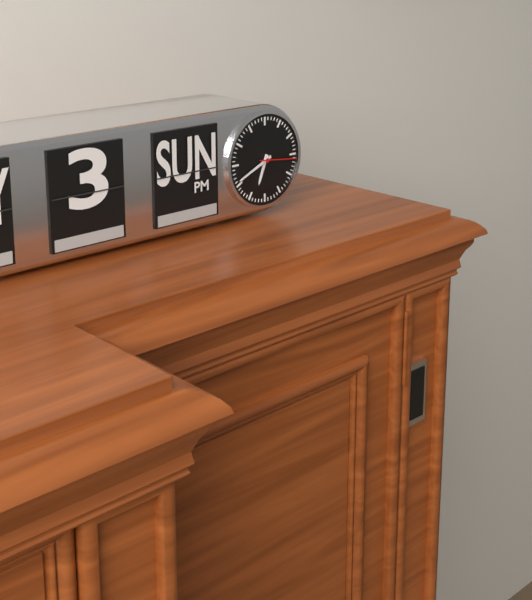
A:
6h41
